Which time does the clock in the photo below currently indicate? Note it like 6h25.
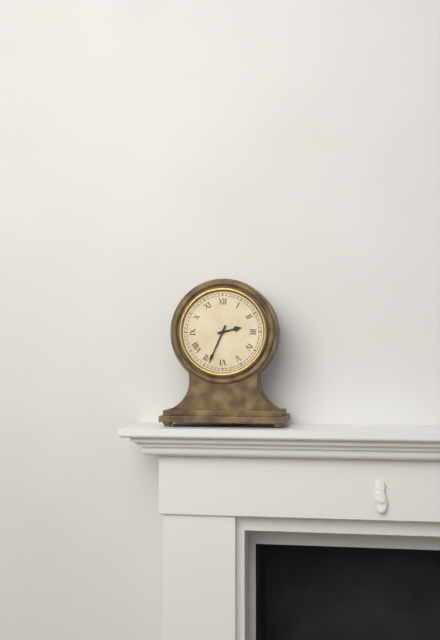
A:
2h34
